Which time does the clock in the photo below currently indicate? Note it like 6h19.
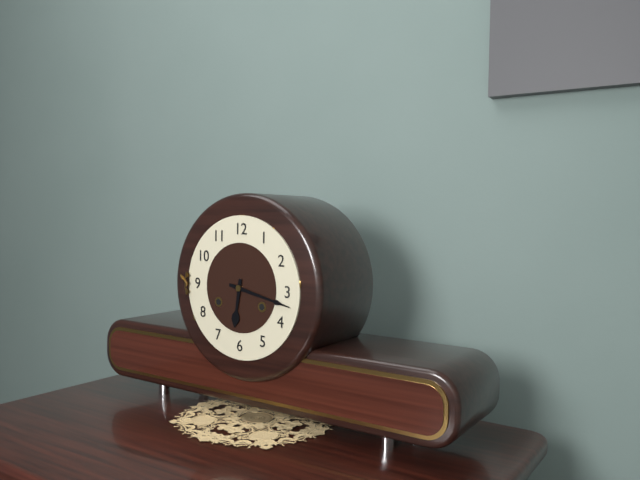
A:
6h17
